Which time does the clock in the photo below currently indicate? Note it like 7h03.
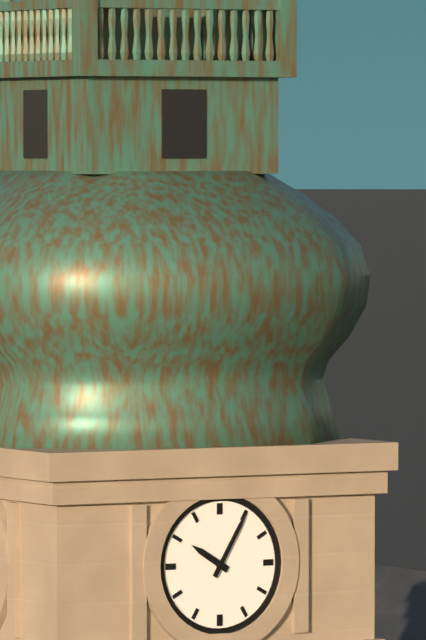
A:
10h05
